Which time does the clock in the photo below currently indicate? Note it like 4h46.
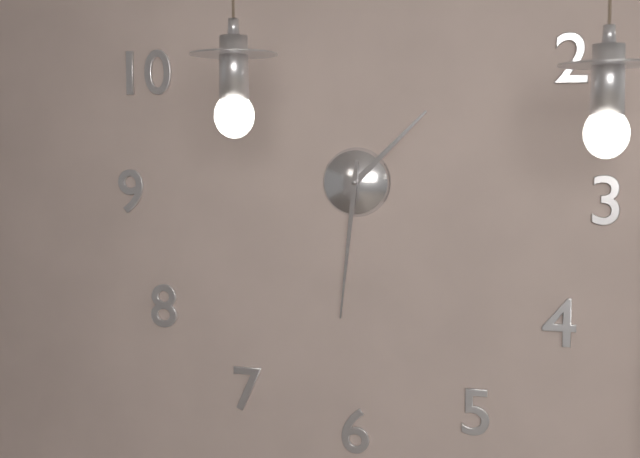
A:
1h31
